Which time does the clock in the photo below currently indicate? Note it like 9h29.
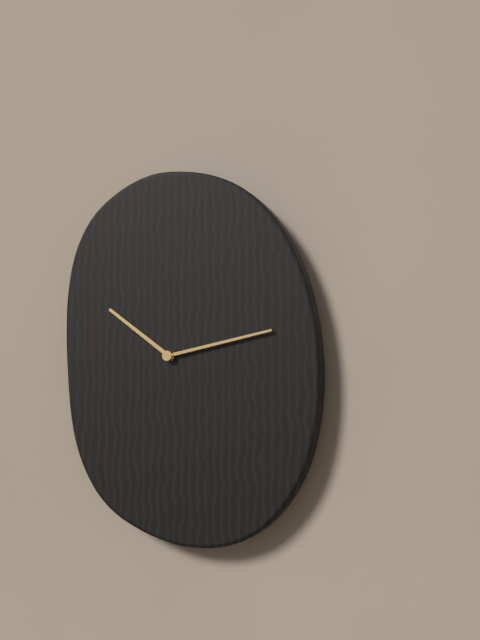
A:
10h13
